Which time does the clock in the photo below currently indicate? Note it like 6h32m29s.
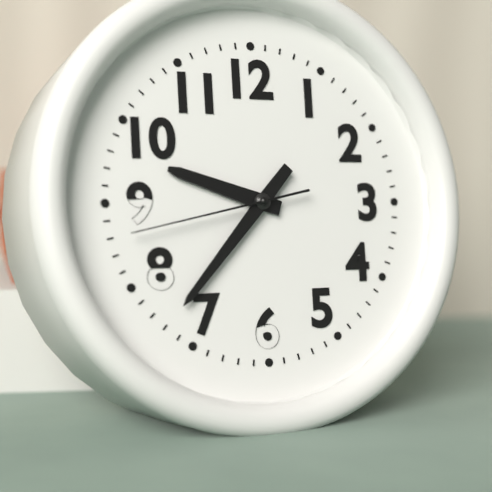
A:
9h37m43s
